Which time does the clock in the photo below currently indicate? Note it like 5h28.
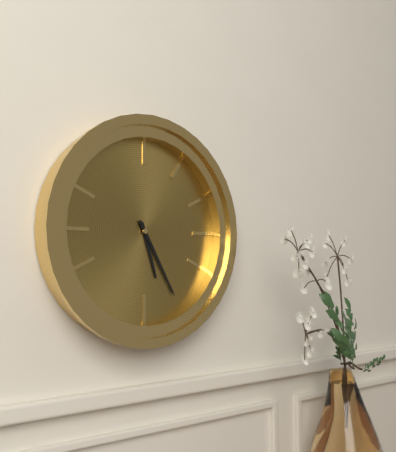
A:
5h25
